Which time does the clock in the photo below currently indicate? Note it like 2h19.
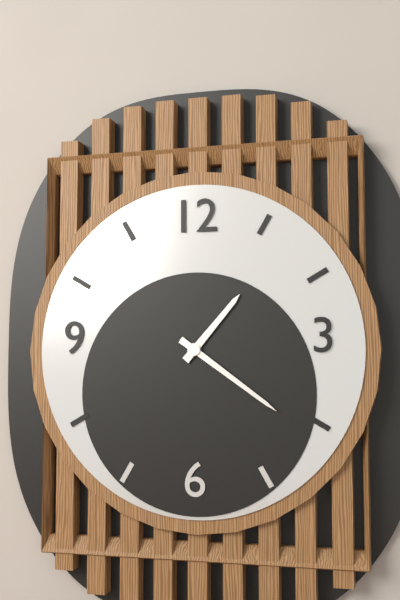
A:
1h21
